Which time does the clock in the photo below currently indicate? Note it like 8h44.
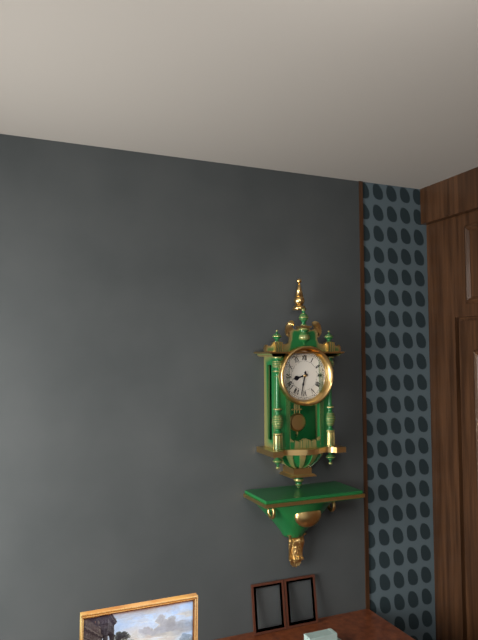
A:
8h32
